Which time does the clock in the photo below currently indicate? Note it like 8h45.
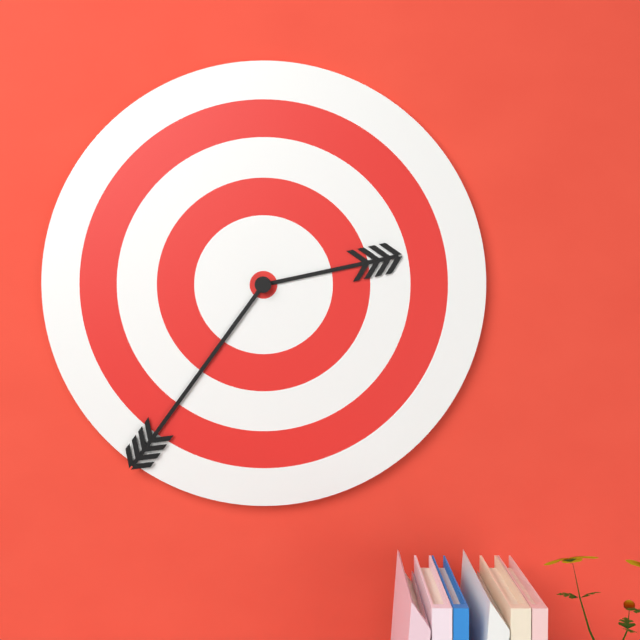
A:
2h36
